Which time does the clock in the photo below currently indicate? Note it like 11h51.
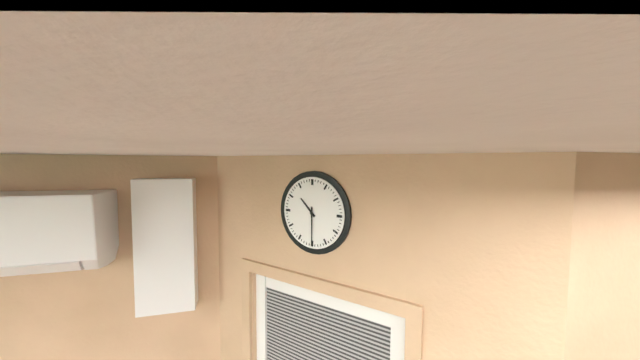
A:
10h30
